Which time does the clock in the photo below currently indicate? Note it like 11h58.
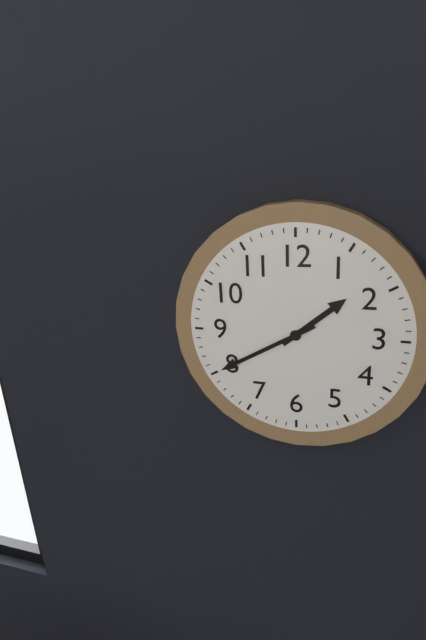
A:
1h40
